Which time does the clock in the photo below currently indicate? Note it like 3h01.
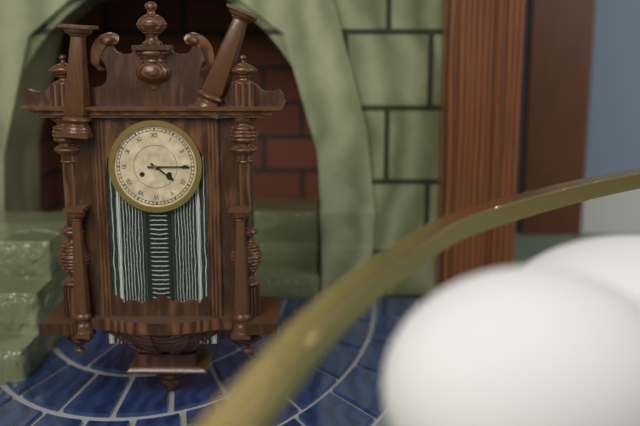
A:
4h15
